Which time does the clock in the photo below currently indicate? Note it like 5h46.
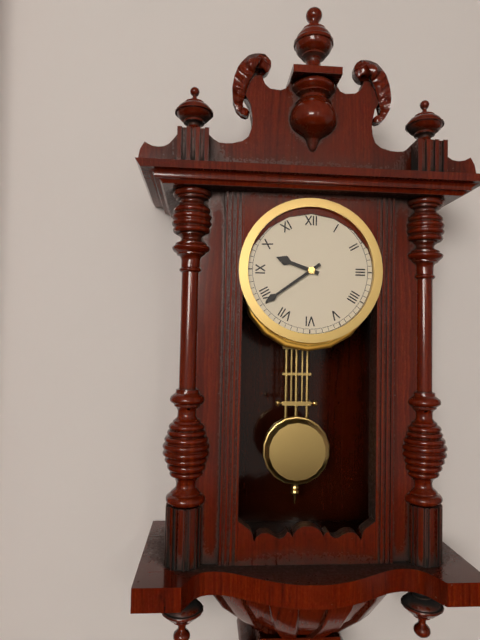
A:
9h39
